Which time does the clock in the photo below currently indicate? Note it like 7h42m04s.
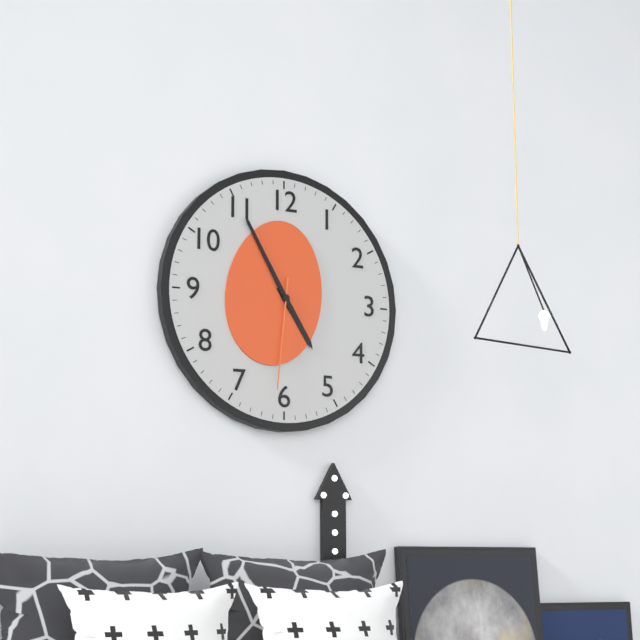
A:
4h55m31s
